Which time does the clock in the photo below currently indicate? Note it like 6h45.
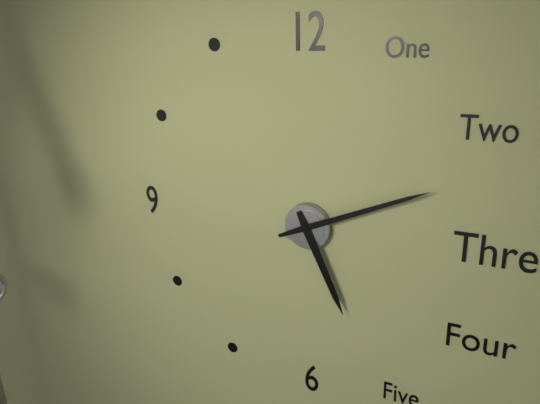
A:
5h11
